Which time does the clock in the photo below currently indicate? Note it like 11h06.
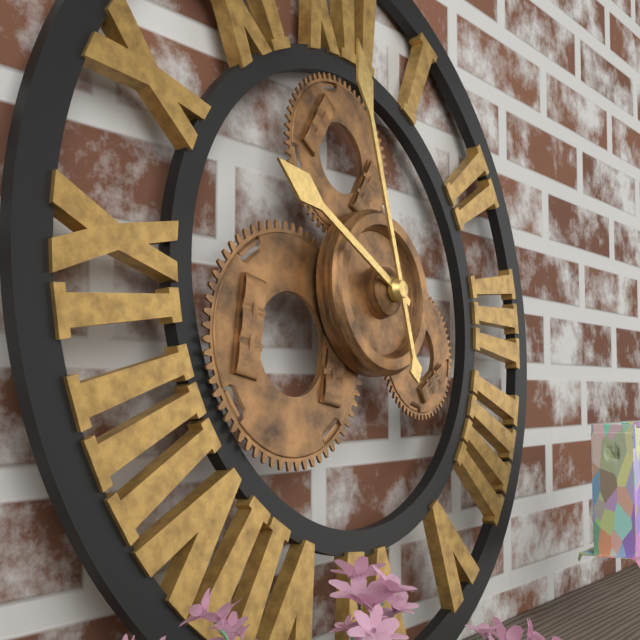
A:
9h58
